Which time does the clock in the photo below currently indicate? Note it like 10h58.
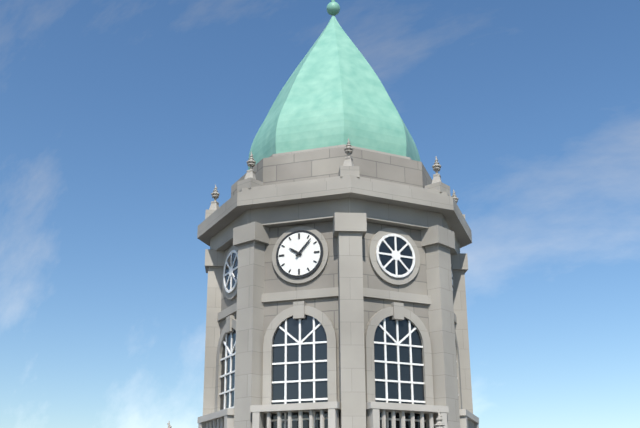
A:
10h07
